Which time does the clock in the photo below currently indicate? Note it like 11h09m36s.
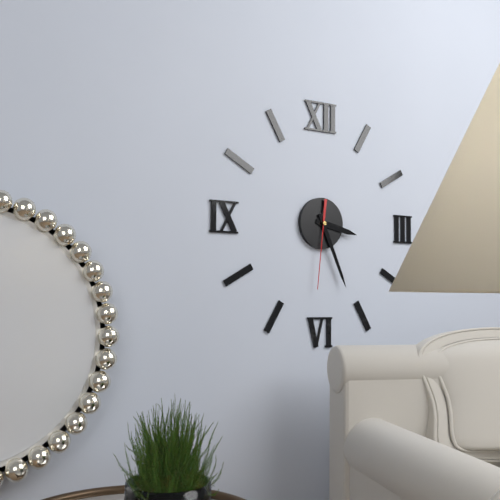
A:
3h26m31s
